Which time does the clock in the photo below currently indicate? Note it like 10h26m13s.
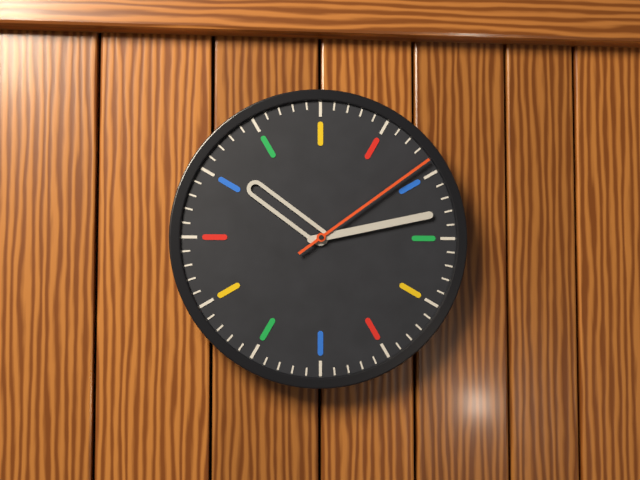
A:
10h13m09s
